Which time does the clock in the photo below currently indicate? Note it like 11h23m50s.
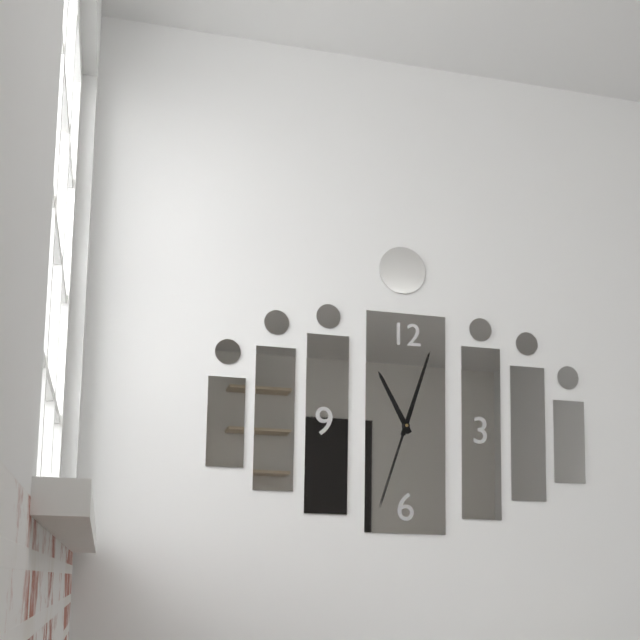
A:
11h03m33s
